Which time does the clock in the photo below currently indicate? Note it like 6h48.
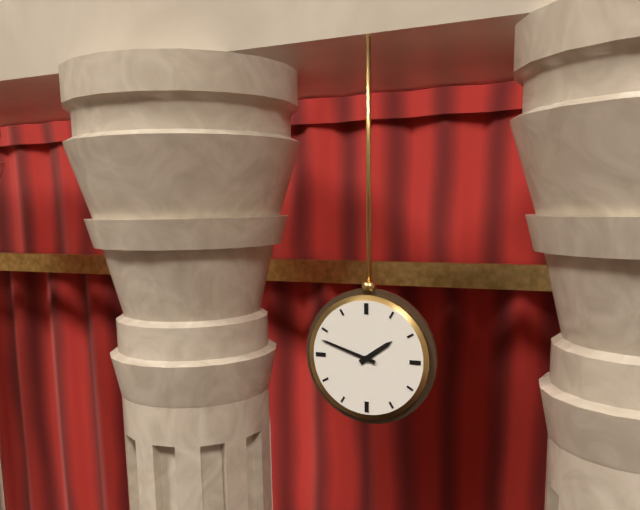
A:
1h48
